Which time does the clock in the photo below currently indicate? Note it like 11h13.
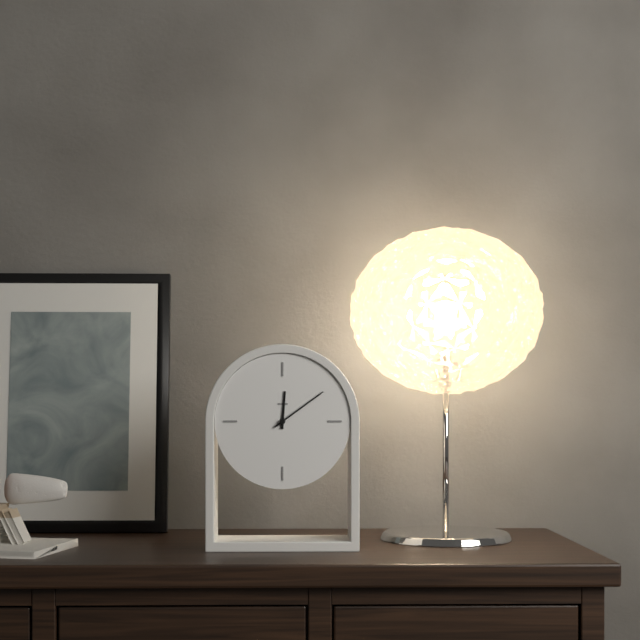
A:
12h09
